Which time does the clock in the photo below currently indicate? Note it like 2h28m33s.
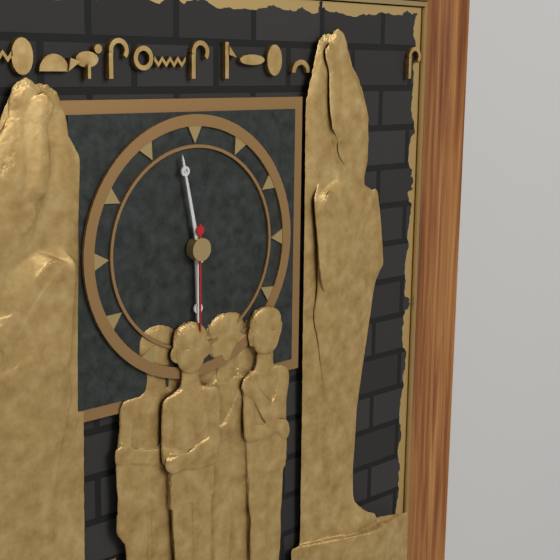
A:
5h58m30s
